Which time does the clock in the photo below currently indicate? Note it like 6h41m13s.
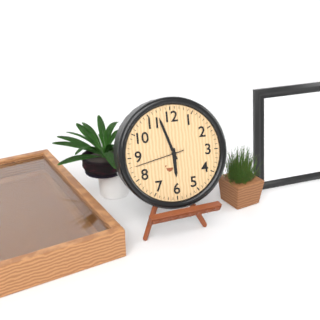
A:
5h57m43s
